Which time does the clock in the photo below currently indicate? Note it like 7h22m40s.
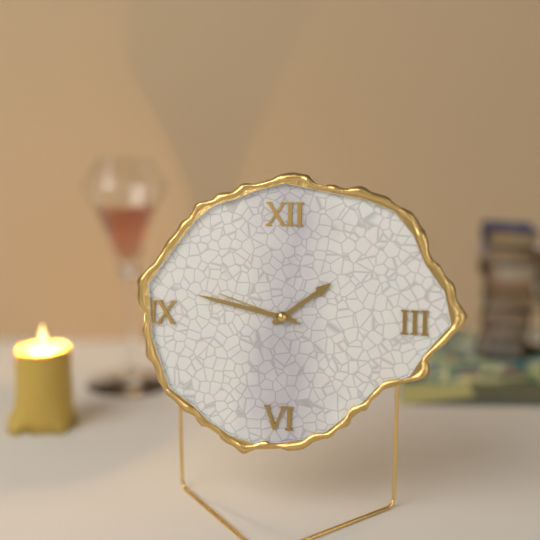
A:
1h47m48s
